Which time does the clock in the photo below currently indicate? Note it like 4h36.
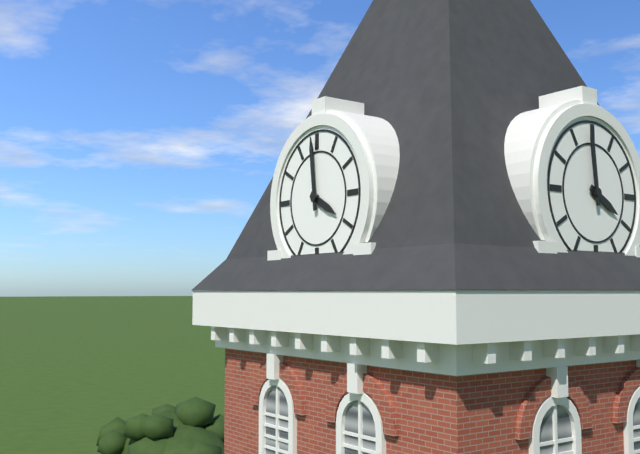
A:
3h59
